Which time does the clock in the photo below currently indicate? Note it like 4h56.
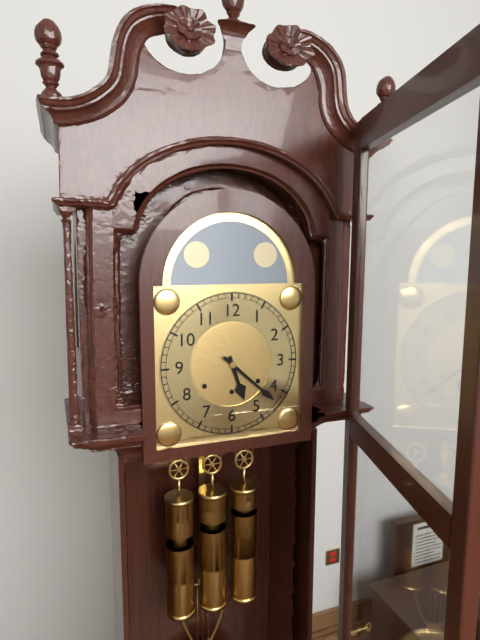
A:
5h22
